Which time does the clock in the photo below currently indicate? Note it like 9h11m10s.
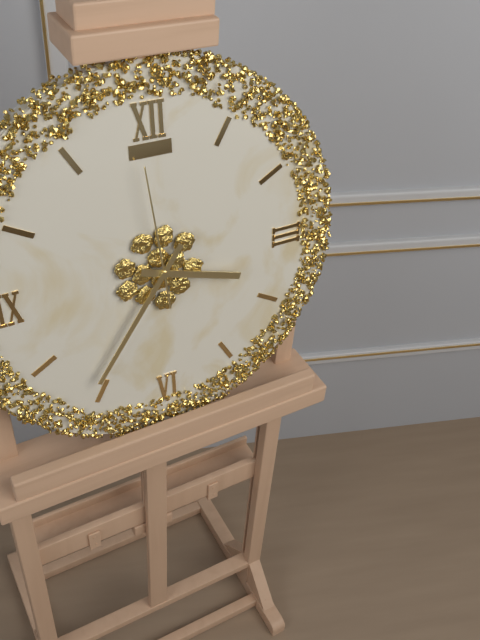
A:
3h36m59s
